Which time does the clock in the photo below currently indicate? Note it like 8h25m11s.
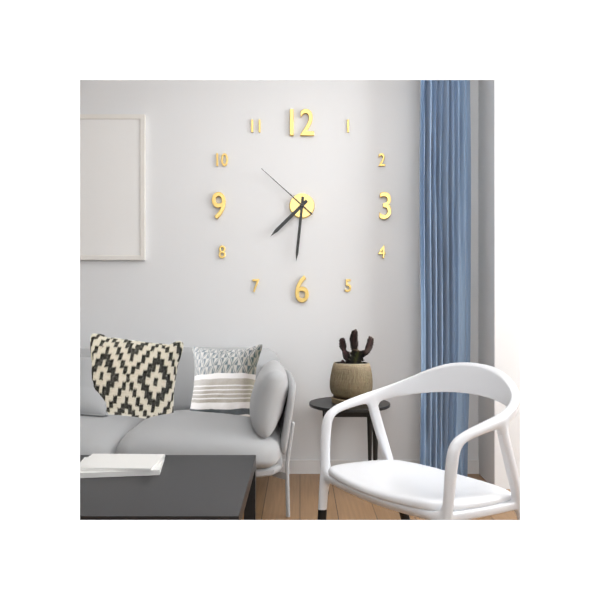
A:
7h31m52s
